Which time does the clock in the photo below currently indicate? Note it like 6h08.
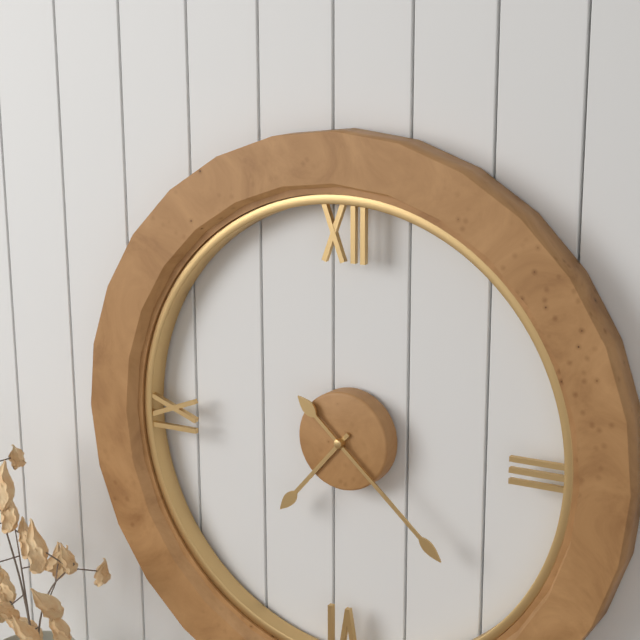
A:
7h22
